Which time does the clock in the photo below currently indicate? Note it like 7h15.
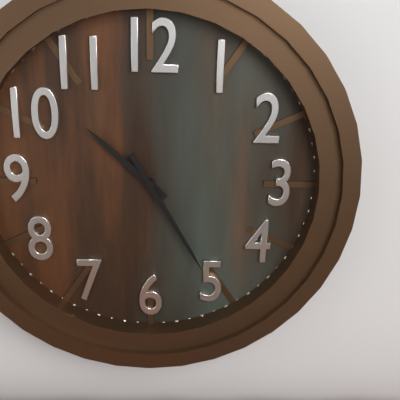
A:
10h25
